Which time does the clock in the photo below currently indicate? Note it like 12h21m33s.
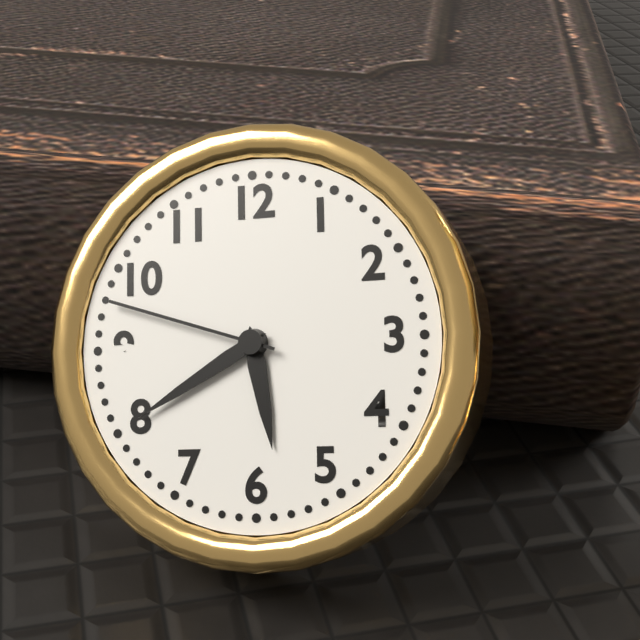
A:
5h40m48s
